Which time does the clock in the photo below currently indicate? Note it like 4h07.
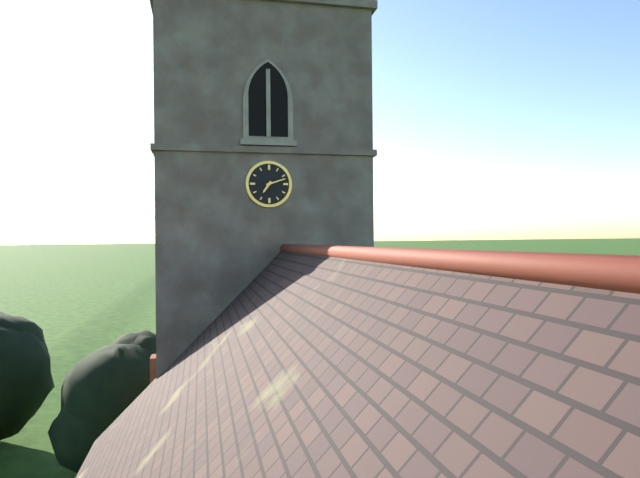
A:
7h12
